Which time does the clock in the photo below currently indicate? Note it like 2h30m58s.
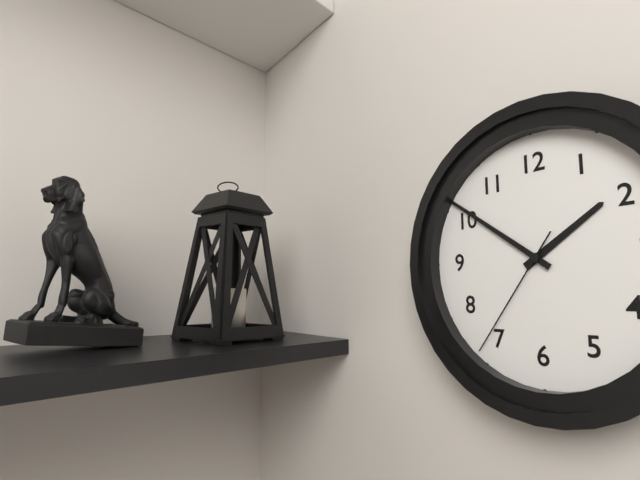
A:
1h51m36s
